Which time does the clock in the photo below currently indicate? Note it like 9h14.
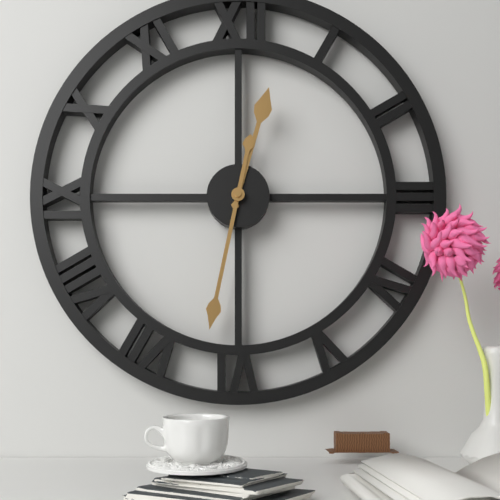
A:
12h32
